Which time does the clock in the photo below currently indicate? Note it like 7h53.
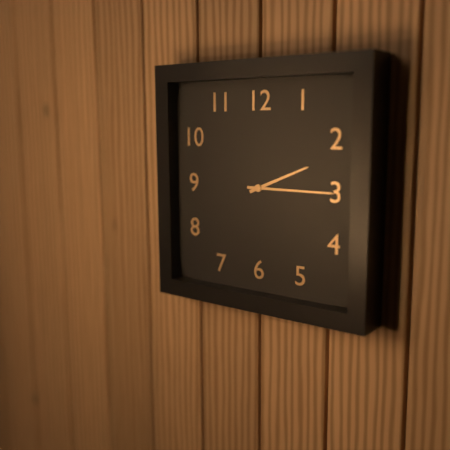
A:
2h15
